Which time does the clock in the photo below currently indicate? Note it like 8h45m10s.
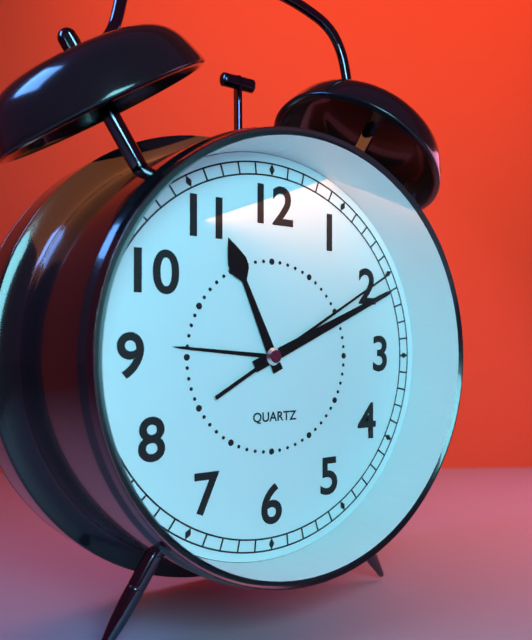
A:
11h11m10s
